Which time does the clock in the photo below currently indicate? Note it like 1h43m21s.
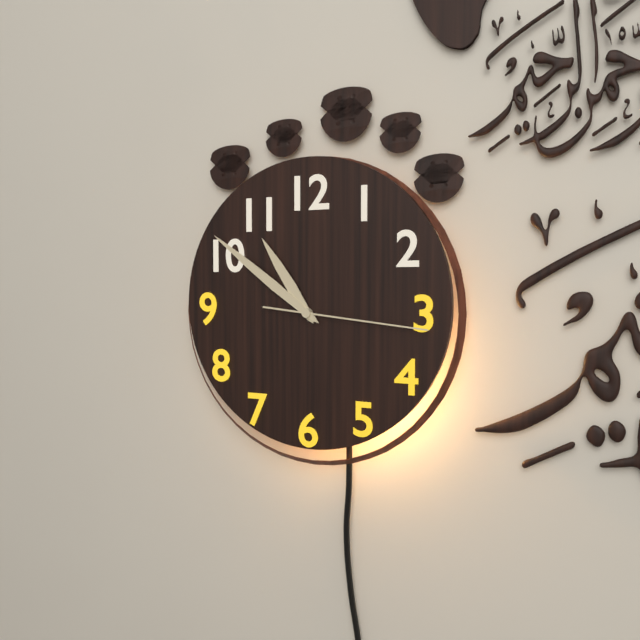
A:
10h51m16s
